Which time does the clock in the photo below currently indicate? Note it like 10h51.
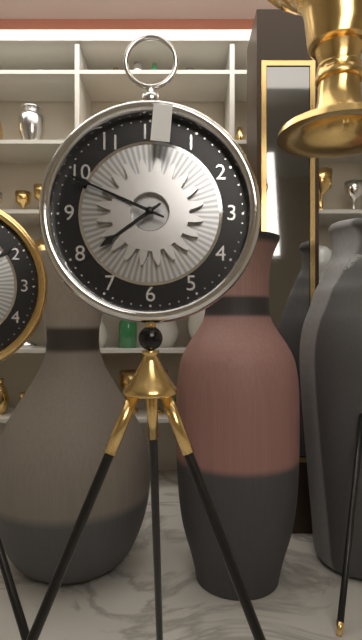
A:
7h49
